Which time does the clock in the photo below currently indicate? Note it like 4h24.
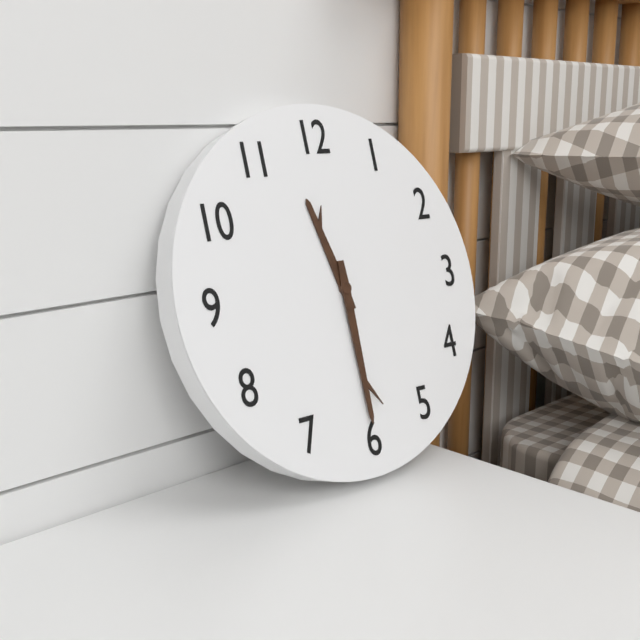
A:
11h30
